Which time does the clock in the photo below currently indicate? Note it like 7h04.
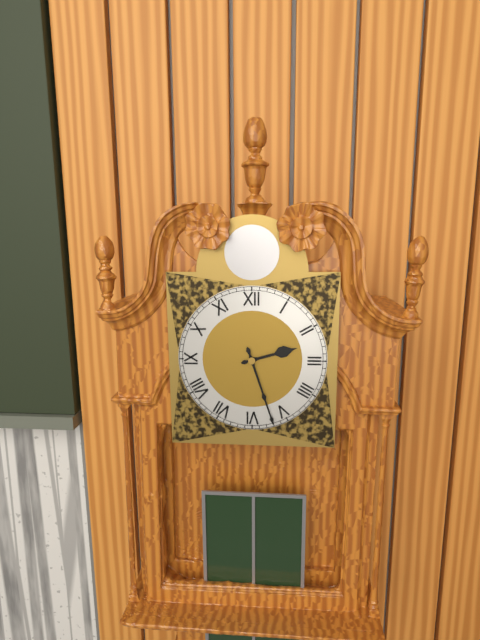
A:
2h27
